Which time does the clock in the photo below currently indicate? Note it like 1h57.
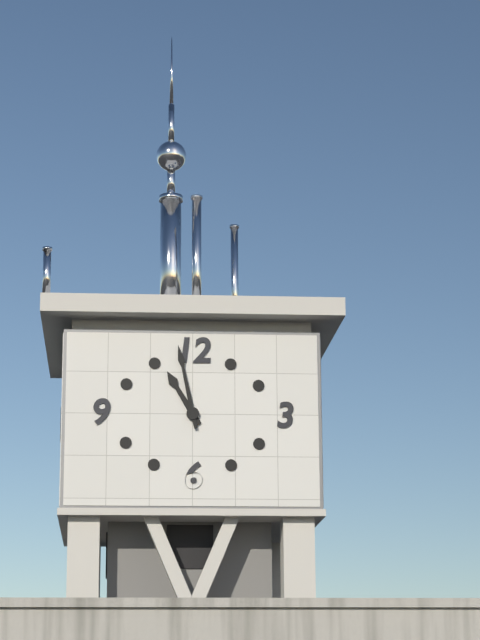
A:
10h58
